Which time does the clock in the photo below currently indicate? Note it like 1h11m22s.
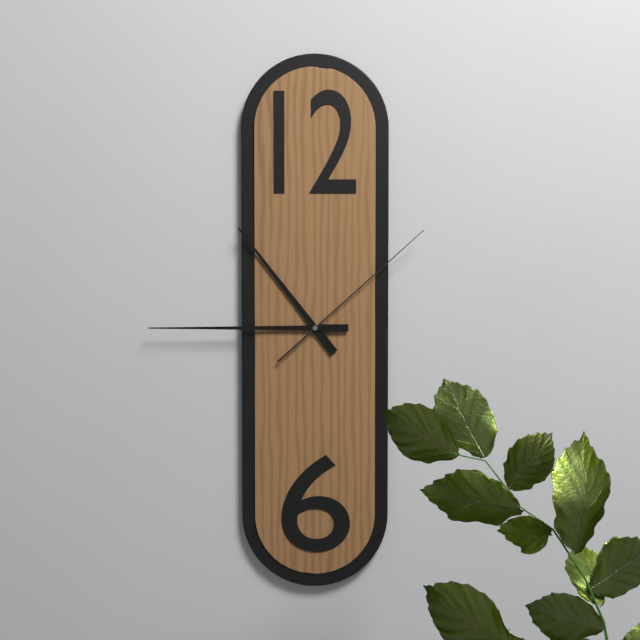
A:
10h45m08s
